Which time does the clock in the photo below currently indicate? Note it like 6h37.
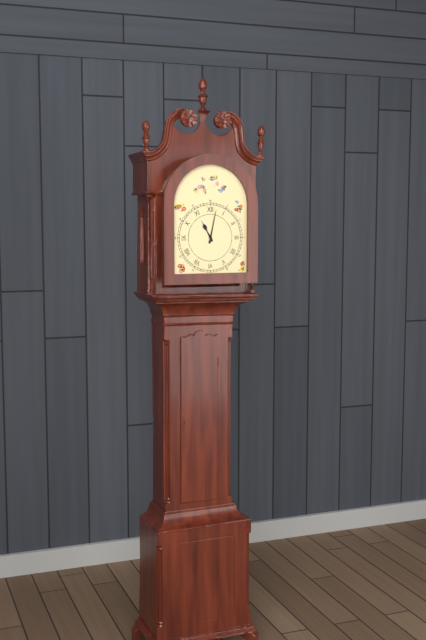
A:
11h02
